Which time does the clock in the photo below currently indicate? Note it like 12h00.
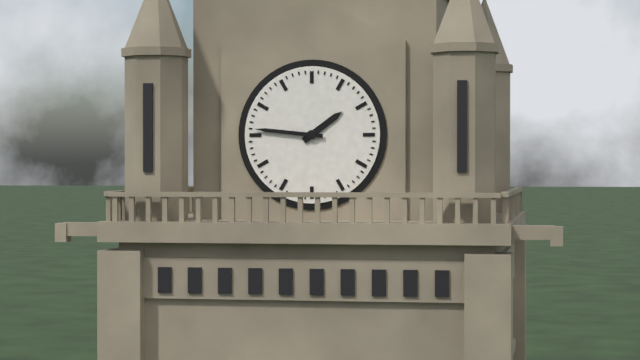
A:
1h46
